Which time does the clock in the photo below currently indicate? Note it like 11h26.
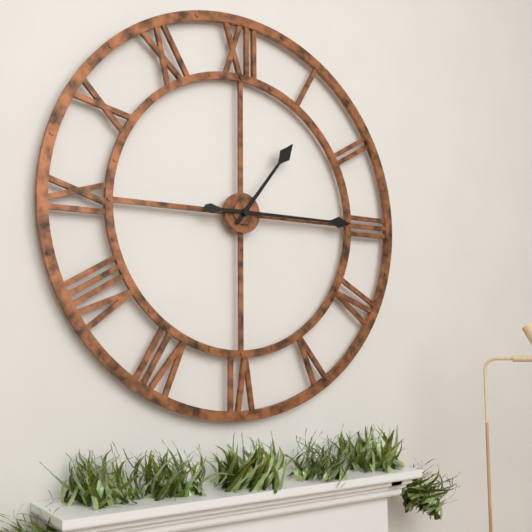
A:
1h15
